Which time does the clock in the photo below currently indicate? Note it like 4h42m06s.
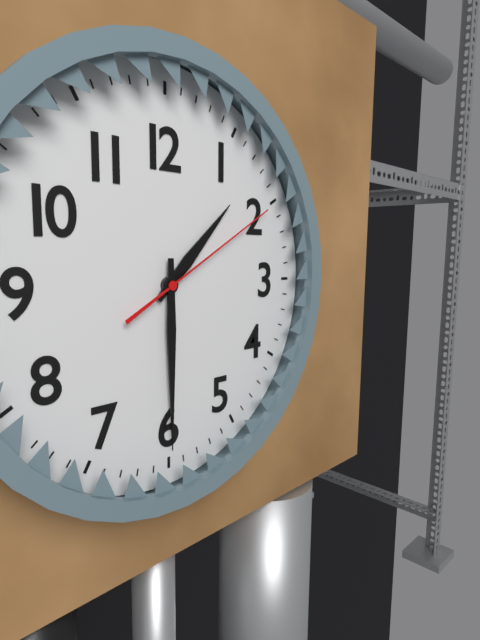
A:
1h30m10s
